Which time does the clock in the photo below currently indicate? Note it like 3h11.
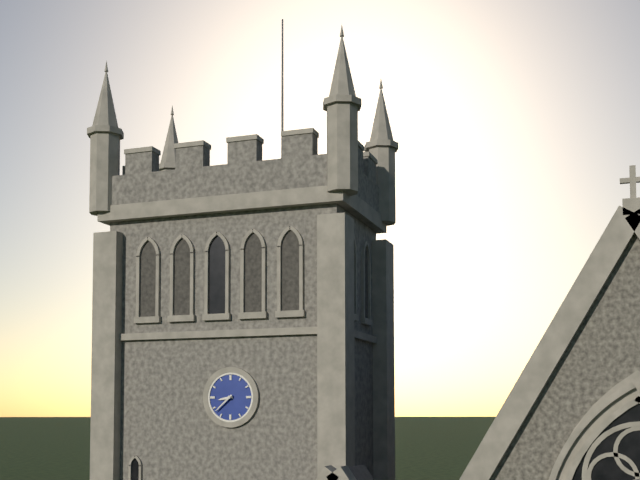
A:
8h38
